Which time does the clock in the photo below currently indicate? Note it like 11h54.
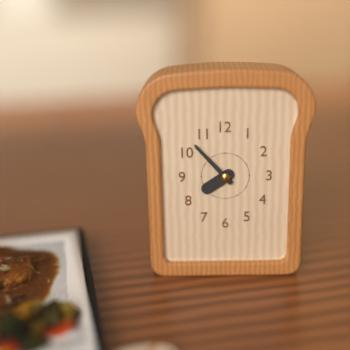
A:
7h53
